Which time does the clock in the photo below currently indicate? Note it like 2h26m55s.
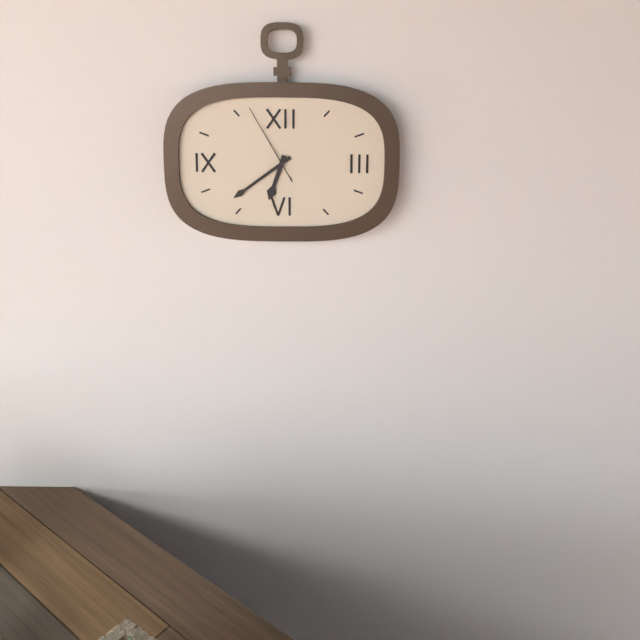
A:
6h39m55s
